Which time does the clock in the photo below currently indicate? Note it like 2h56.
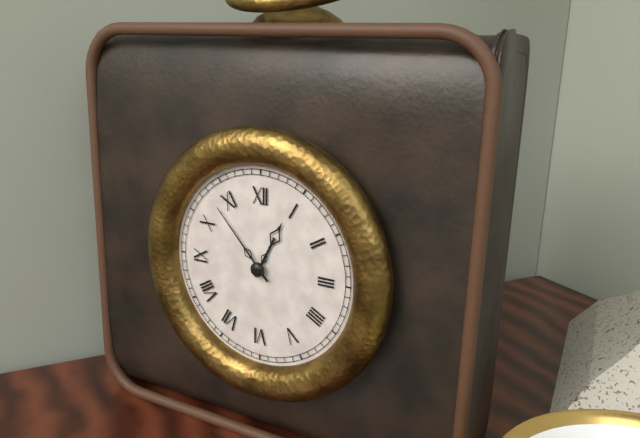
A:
12h53
